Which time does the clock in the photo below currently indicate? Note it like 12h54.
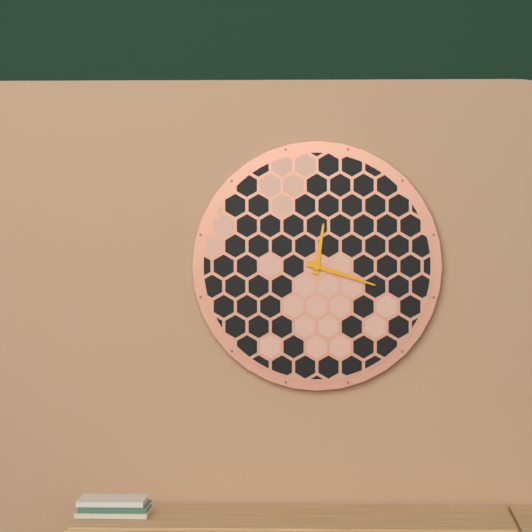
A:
12h18
